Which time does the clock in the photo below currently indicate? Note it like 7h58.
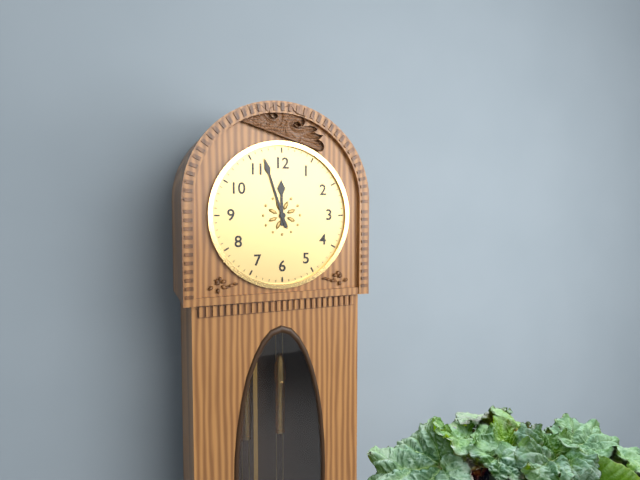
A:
11h57
